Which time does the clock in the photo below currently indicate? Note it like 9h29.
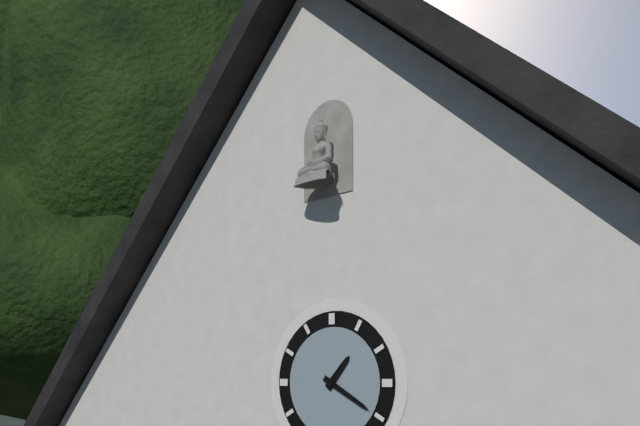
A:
1h20
